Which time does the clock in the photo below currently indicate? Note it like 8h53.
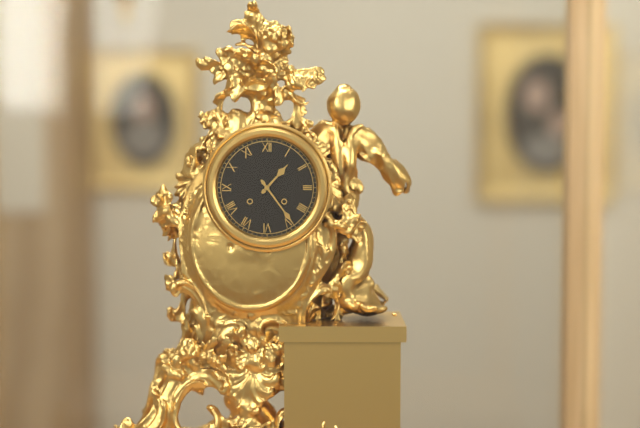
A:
1h24
